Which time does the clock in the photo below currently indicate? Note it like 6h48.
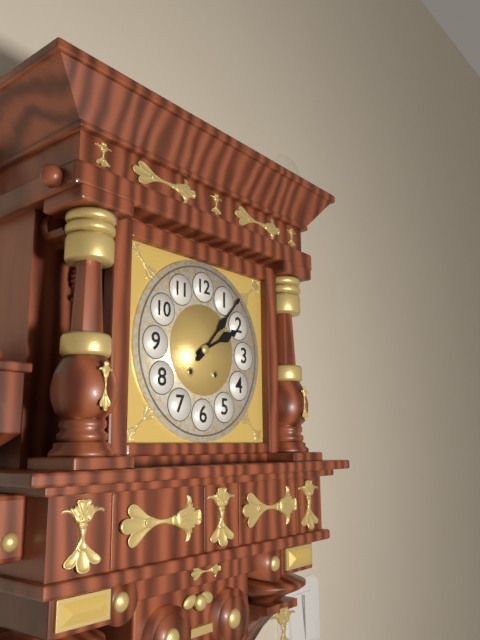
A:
2h07
